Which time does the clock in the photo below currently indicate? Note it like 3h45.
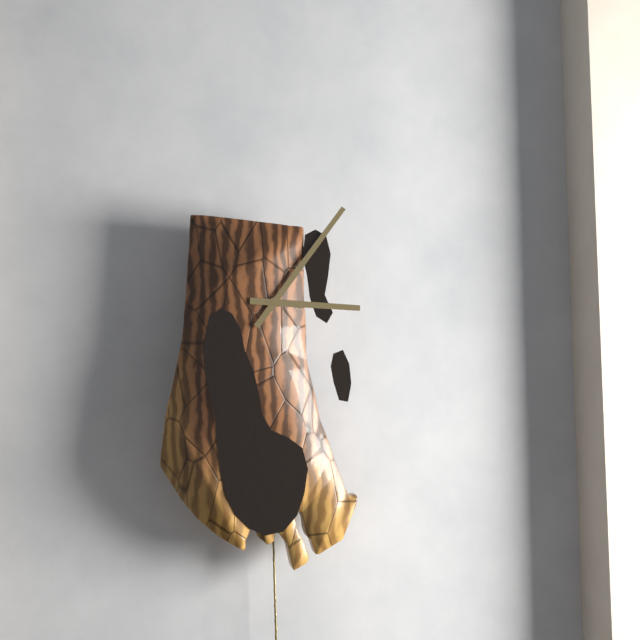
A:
3h06
